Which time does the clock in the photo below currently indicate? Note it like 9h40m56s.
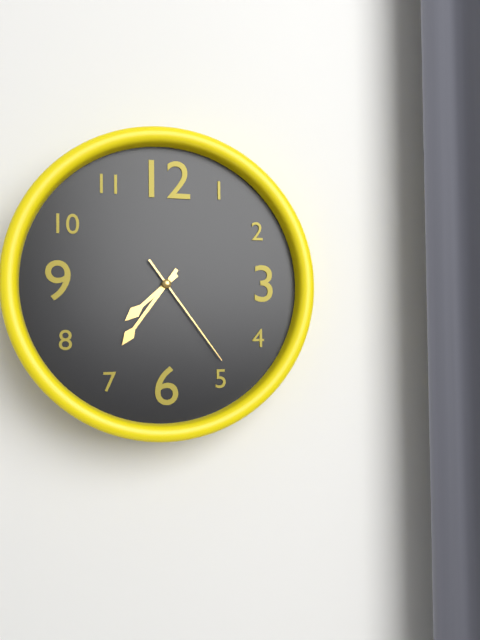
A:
7h36m24s
